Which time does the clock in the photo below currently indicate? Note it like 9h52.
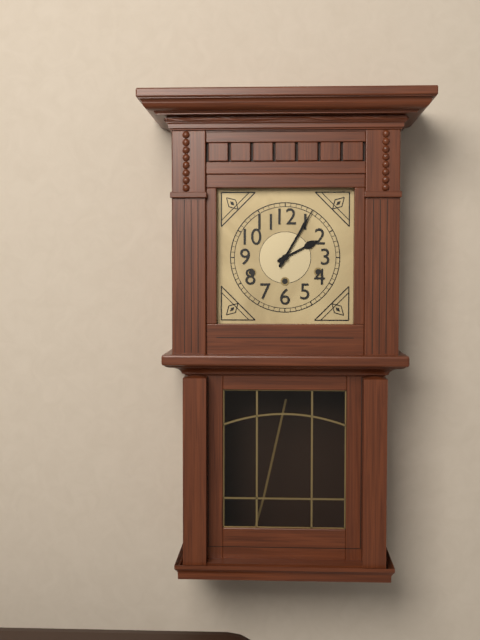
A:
2h05
